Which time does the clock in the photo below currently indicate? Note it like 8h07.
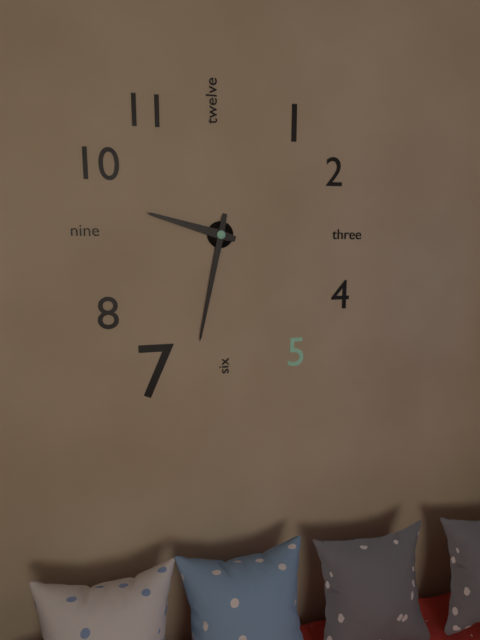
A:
9h32
